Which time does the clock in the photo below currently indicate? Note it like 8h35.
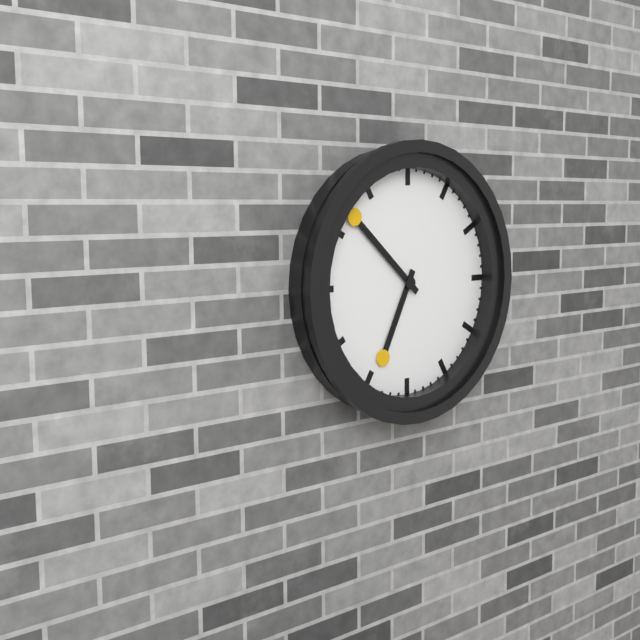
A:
6h52
